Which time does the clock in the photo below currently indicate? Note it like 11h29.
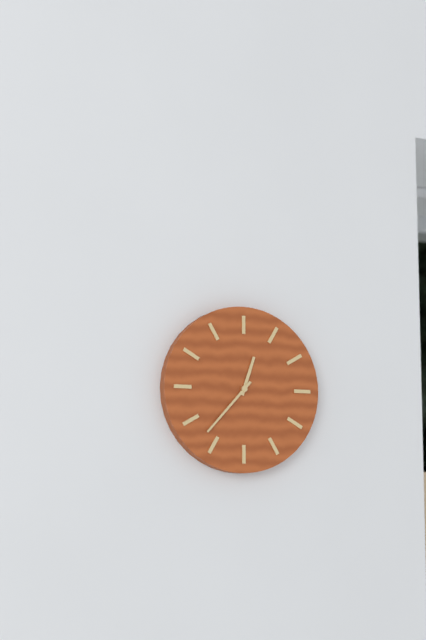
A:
12h37
